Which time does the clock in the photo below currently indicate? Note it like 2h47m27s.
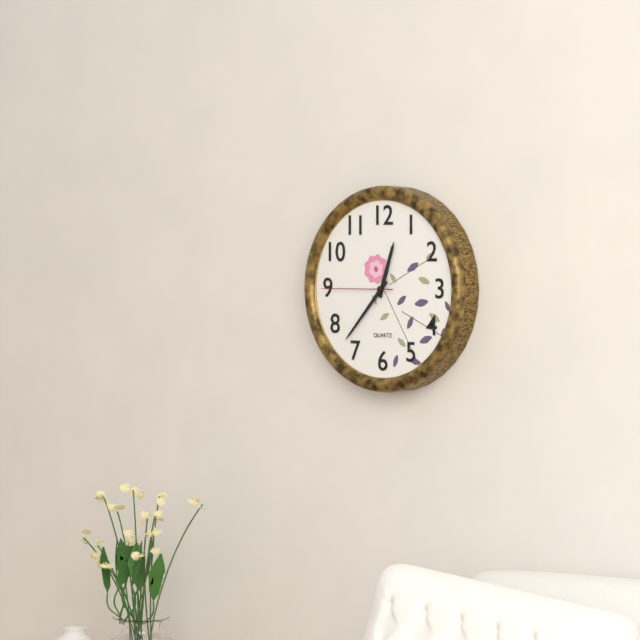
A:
12h37m45s
